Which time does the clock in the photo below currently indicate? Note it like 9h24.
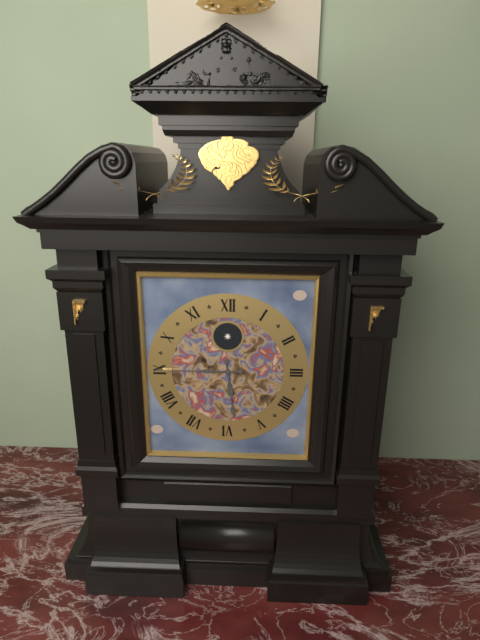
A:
5h45
